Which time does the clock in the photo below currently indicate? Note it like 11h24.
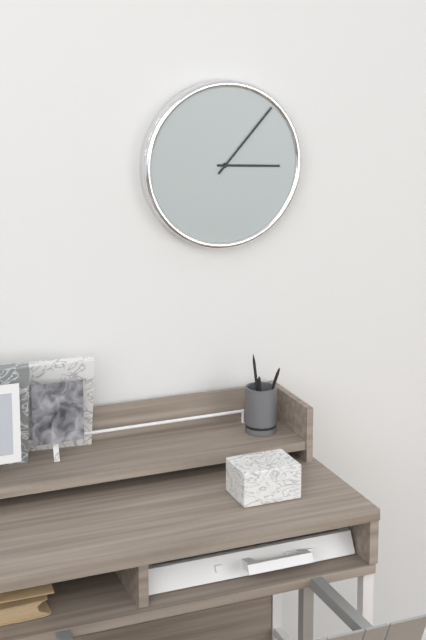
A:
3h07
